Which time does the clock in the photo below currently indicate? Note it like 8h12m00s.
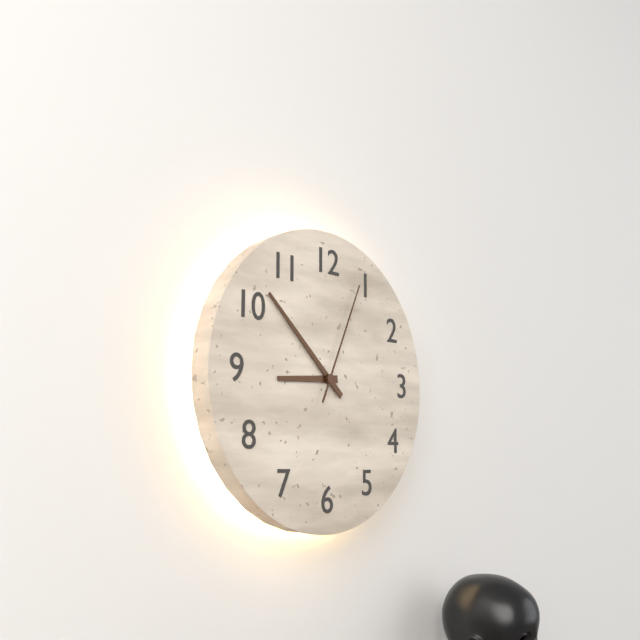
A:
8h52m04s
